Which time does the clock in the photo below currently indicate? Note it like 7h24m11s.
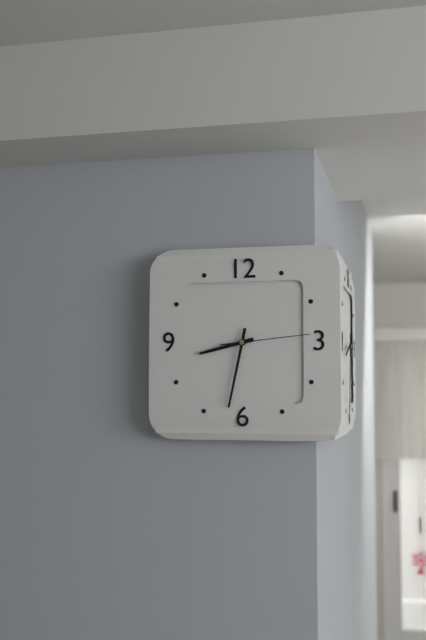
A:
8h32m14s
